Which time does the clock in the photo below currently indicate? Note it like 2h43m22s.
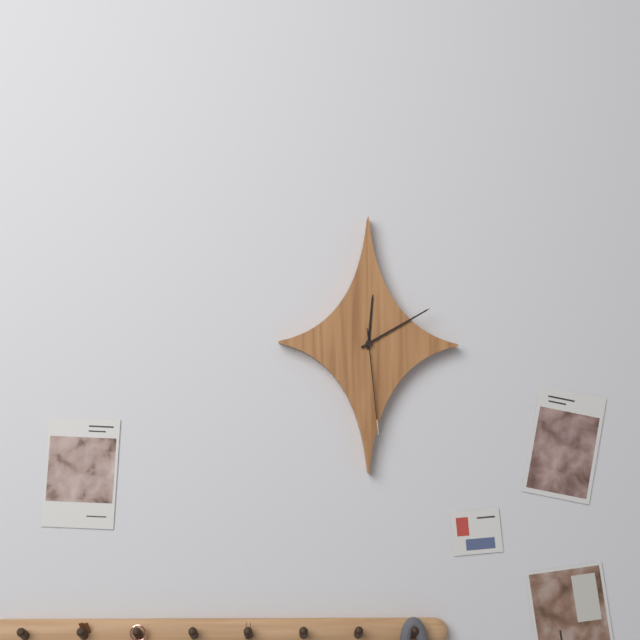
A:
12h10m29s
